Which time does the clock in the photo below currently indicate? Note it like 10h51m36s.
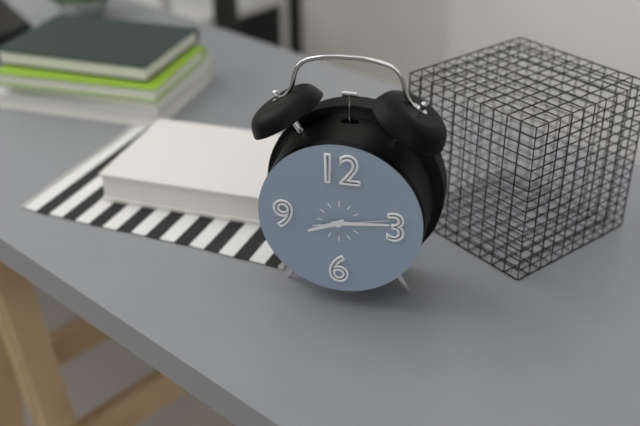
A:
8h14m13s
